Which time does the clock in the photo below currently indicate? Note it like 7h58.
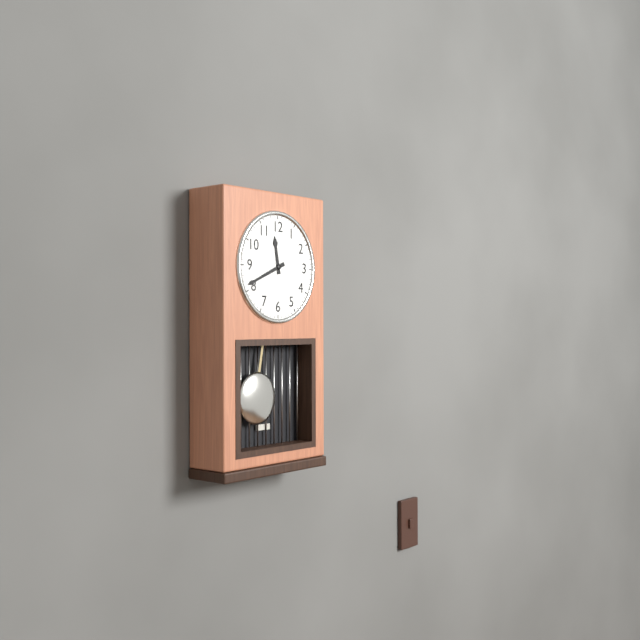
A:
11h41
